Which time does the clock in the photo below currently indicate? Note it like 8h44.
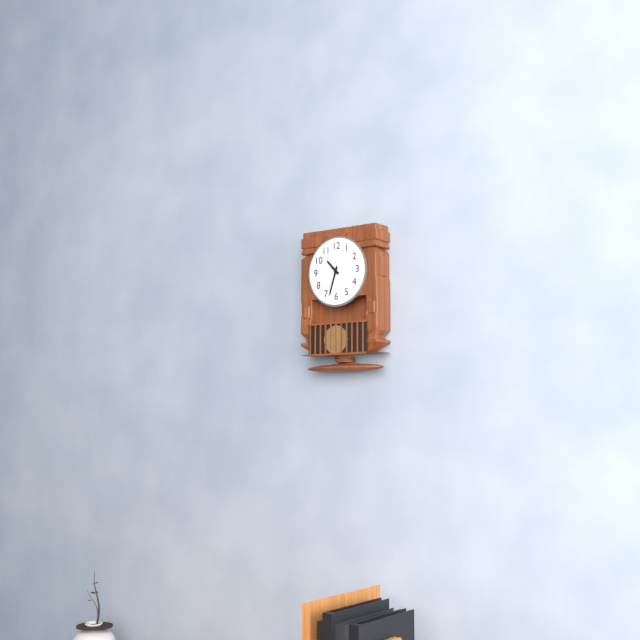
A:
10h33
